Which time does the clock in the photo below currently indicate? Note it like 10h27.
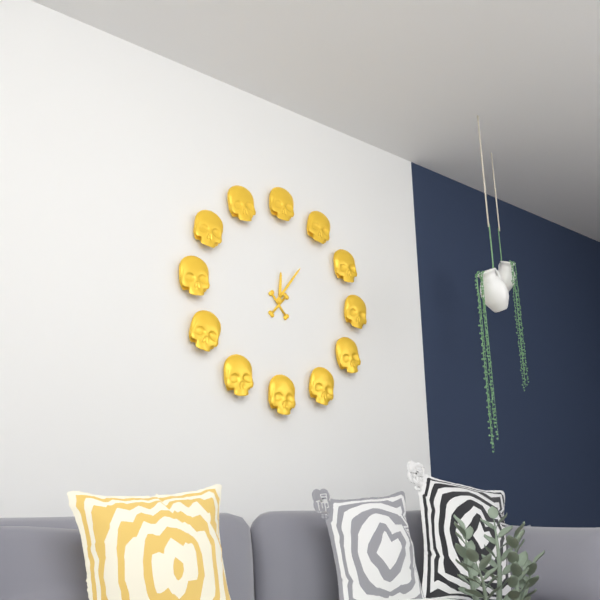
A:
12h06
